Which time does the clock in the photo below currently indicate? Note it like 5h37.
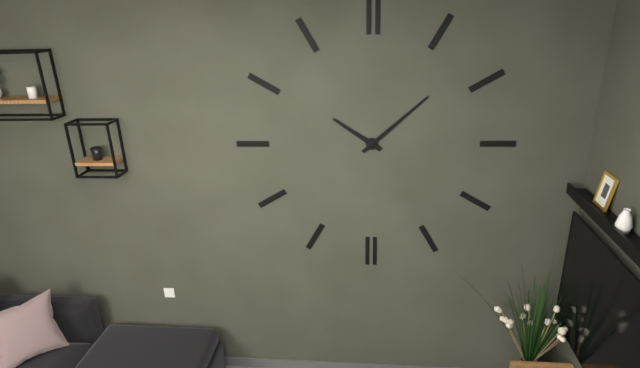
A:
10h08
